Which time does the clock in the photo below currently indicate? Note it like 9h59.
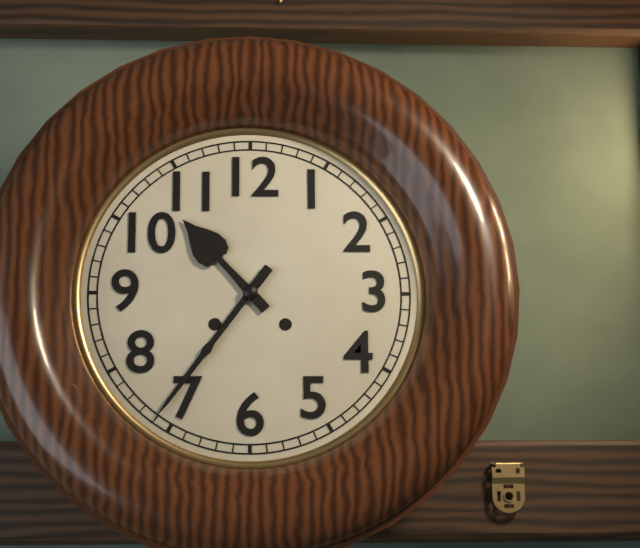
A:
10h36
